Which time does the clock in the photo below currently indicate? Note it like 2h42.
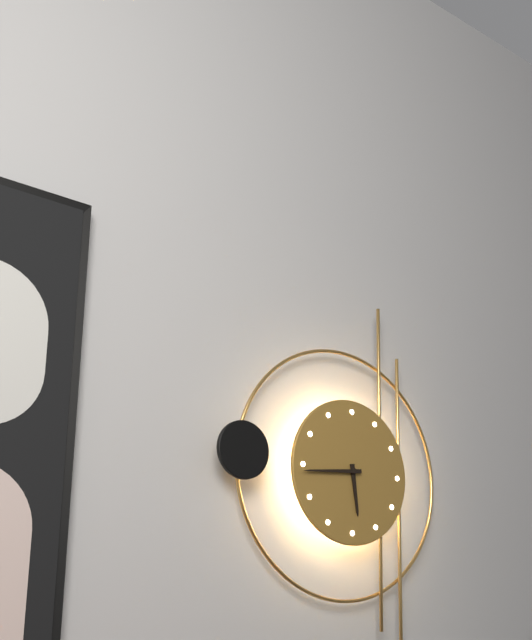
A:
5h44
